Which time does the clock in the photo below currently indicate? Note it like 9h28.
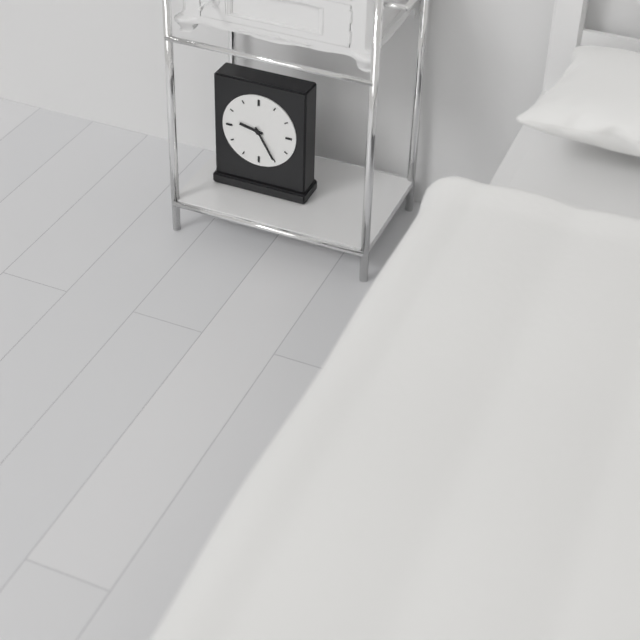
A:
9h25
